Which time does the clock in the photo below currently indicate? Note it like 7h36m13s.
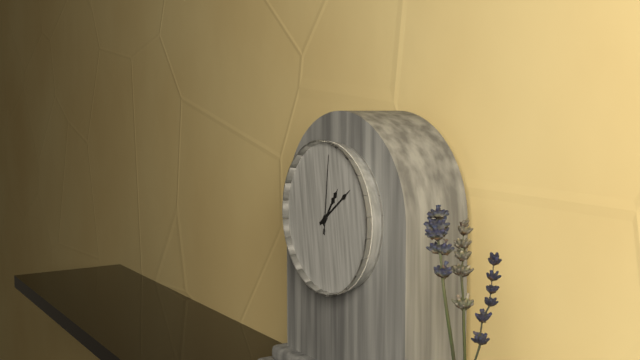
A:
1h09m01s
